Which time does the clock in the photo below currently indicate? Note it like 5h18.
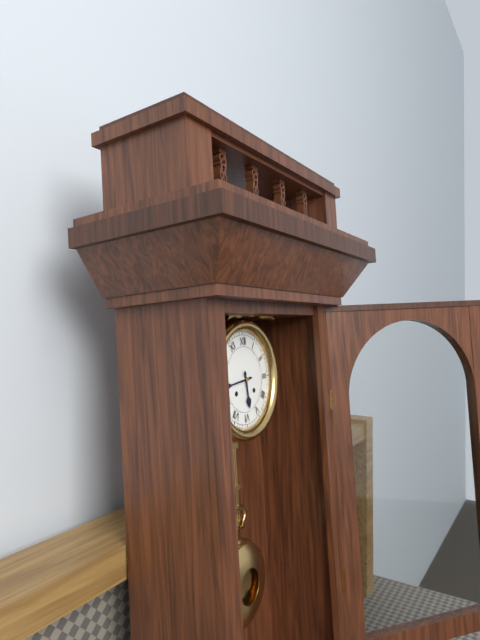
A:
5h44
